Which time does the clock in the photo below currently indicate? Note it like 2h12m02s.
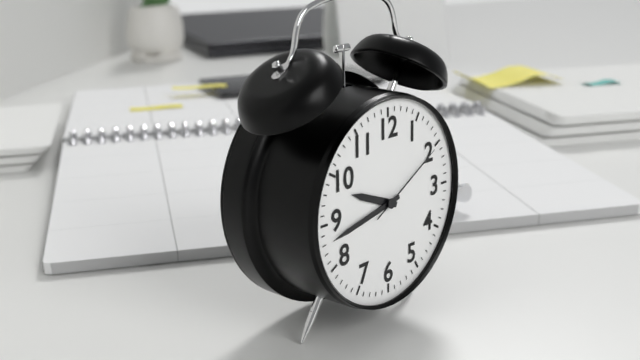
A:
9h43m10s
